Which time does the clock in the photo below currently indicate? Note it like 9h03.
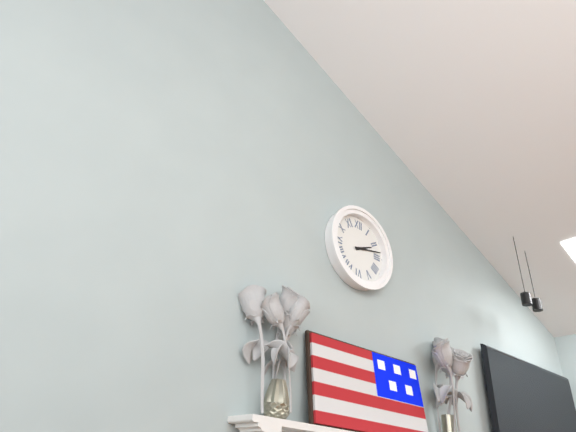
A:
2h13
